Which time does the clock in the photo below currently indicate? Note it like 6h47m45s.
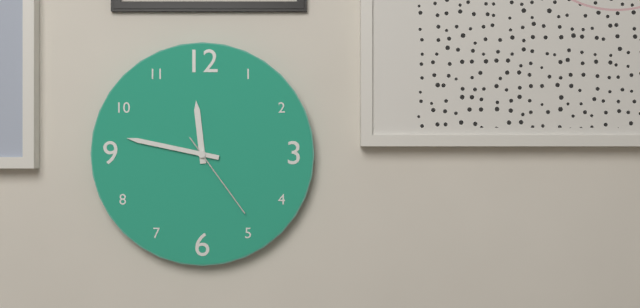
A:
11h47m24s
